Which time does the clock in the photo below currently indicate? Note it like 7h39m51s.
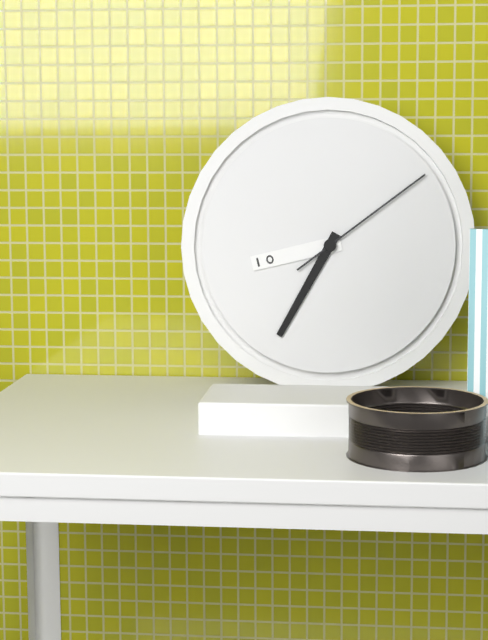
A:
8h35m09s
